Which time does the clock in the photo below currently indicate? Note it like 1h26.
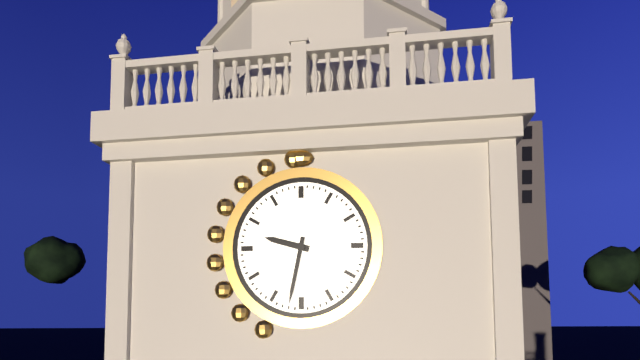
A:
9h32
